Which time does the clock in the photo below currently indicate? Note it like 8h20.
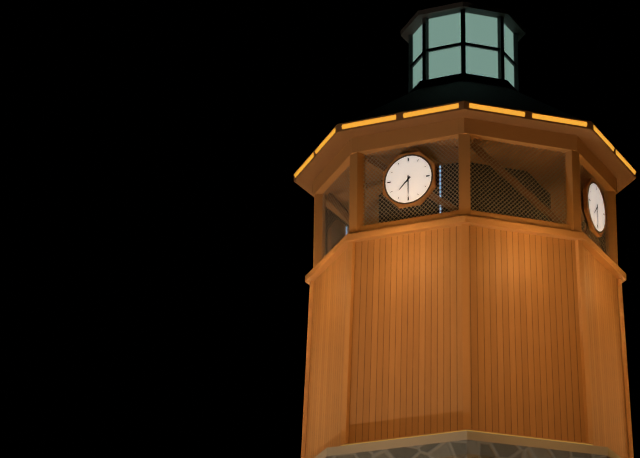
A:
7h30
